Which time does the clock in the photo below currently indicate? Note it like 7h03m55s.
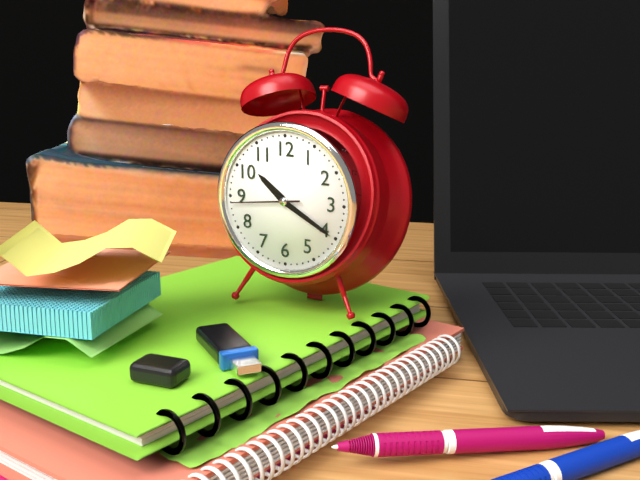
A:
10h20m44s
